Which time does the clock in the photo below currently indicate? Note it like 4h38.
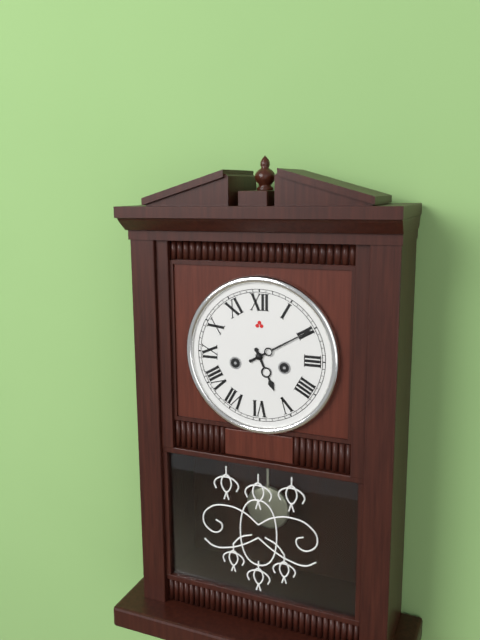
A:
5h10
